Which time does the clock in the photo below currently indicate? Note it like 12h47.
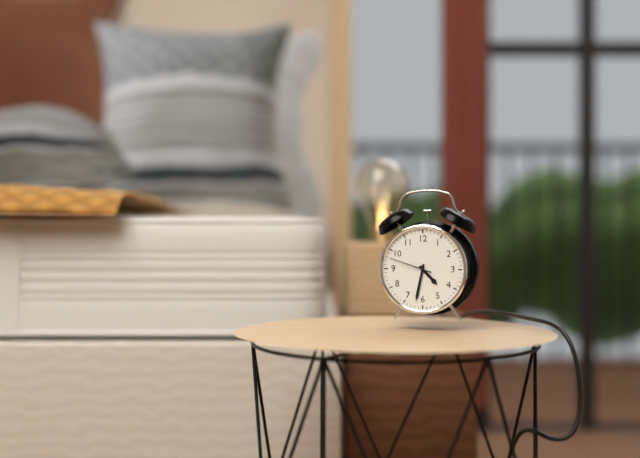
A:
4h32
